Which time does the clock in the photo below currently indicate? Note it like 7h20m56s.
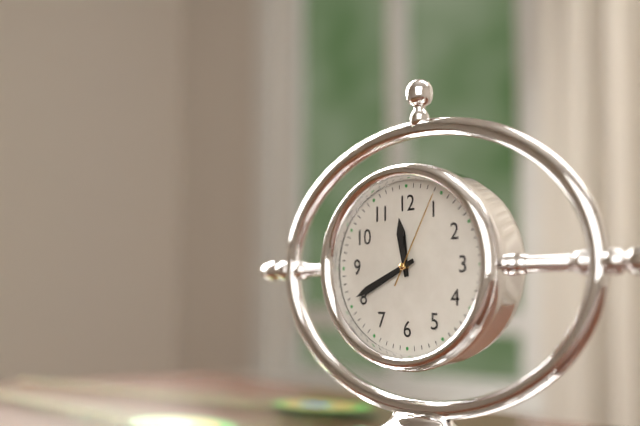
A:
11h41m05s
